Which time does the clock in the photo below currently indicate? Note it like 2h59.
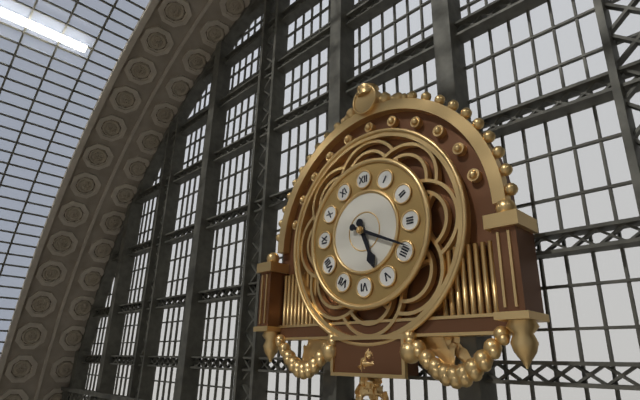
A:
5h19
